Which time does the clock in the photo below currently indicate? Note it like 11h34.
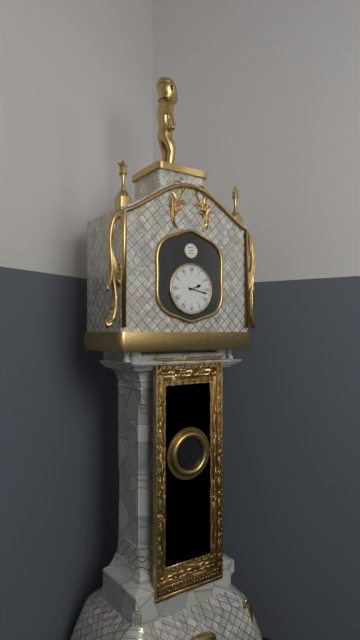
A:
2h17
